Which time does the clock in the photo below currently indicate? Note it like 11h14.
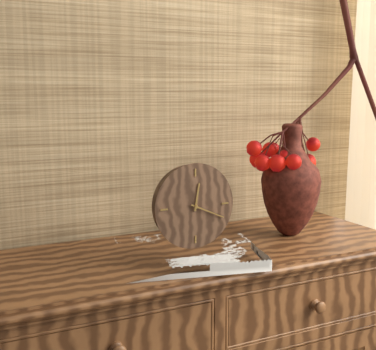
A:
12h19
